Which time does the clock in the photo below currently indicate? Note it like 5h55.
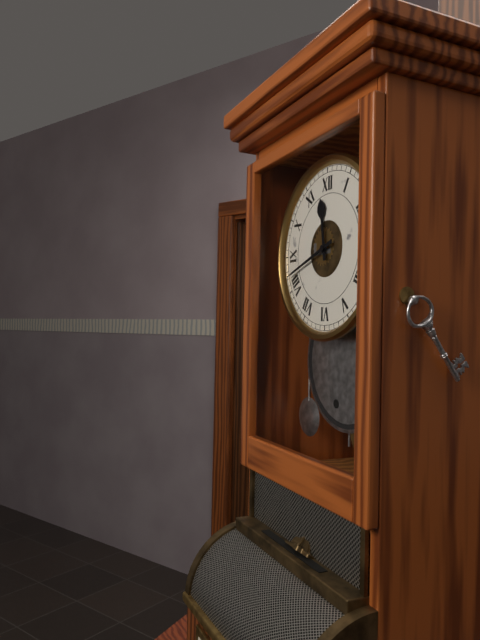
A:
11h42
